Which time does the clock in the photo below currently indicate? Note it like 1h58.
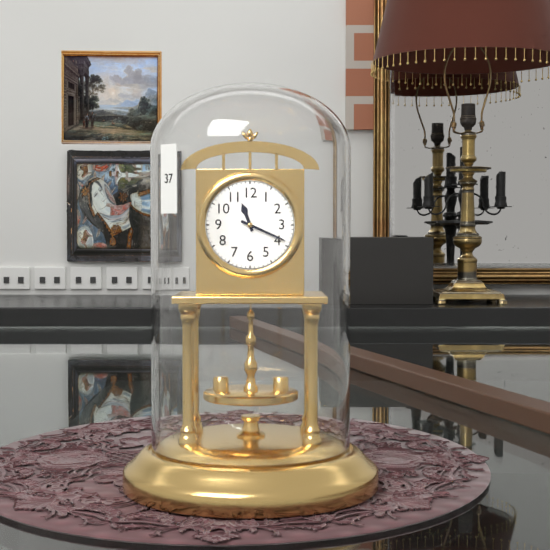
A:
11h19
